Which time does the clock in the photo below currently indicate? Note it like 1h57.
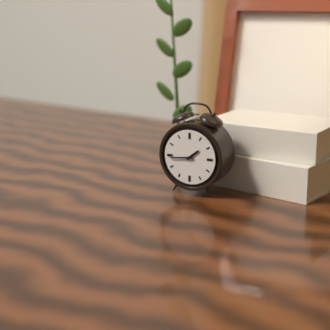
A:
1h44
